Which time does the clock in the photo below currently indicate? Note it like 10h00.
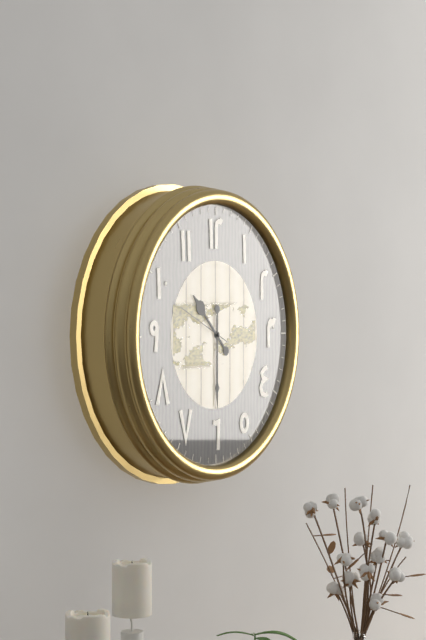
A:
10h30
